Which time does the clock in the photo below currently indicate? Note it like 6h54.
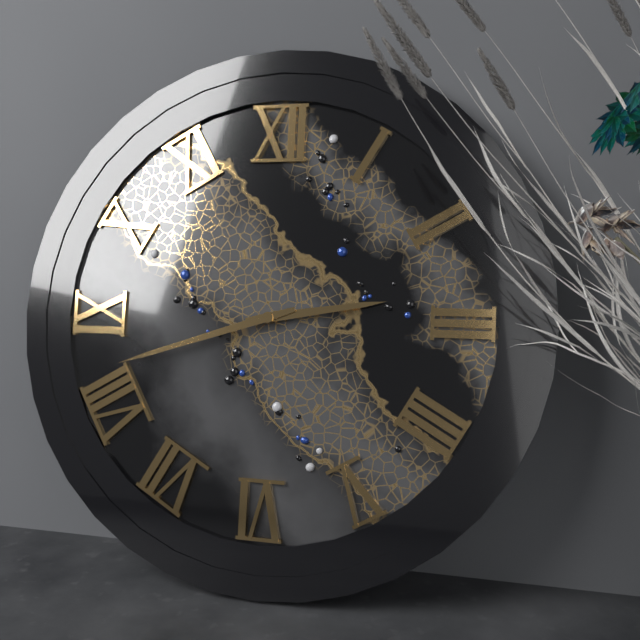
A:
2h42
